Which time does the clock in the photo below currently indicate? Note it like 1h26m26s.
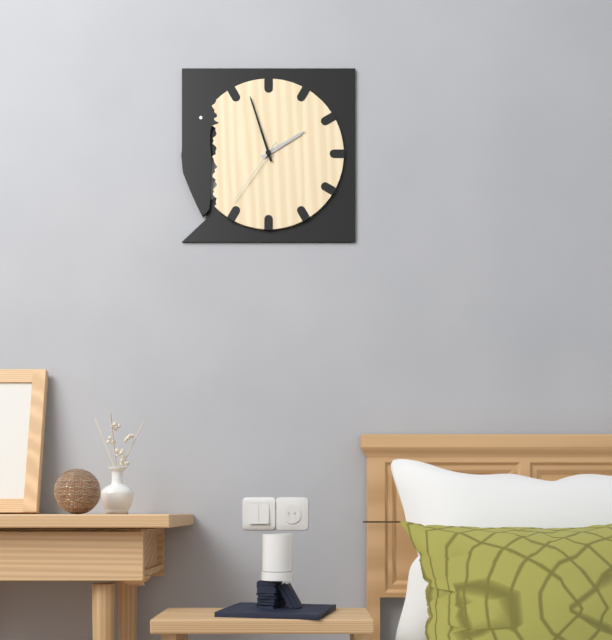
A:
1h57m36s
